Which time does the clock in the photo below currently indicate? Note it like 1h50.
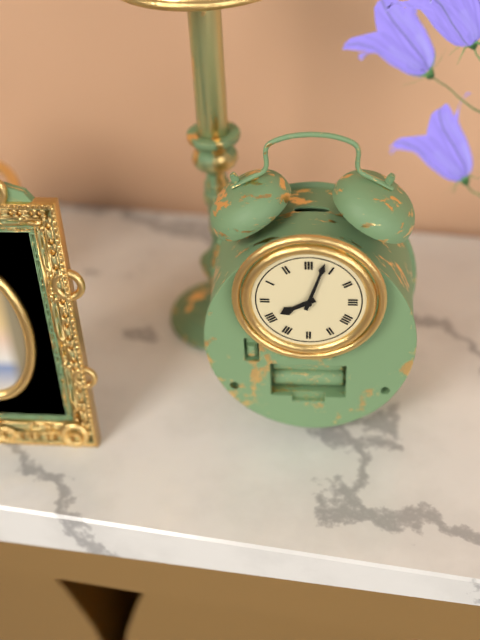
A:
8h03
